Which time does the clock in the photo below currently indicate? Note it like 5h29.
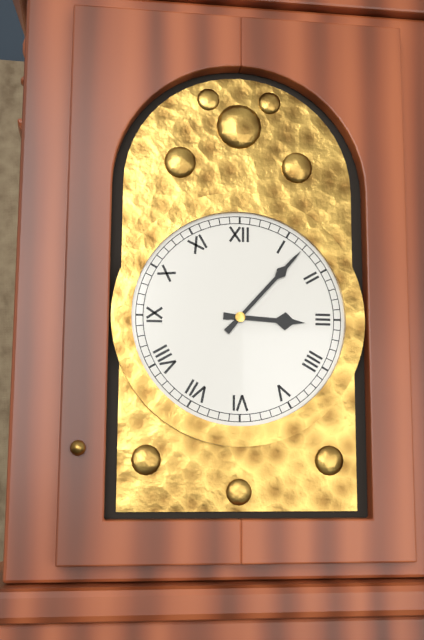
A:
3h07
